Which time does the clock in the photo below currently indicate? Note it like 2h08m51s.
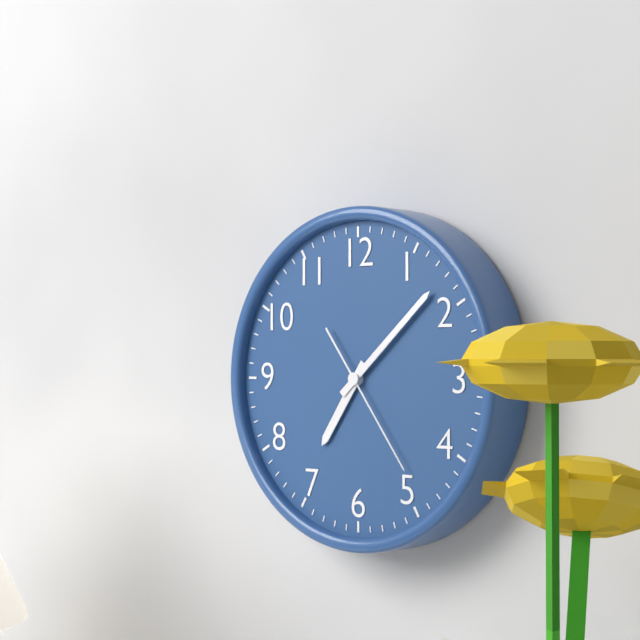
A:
7h08m24s
